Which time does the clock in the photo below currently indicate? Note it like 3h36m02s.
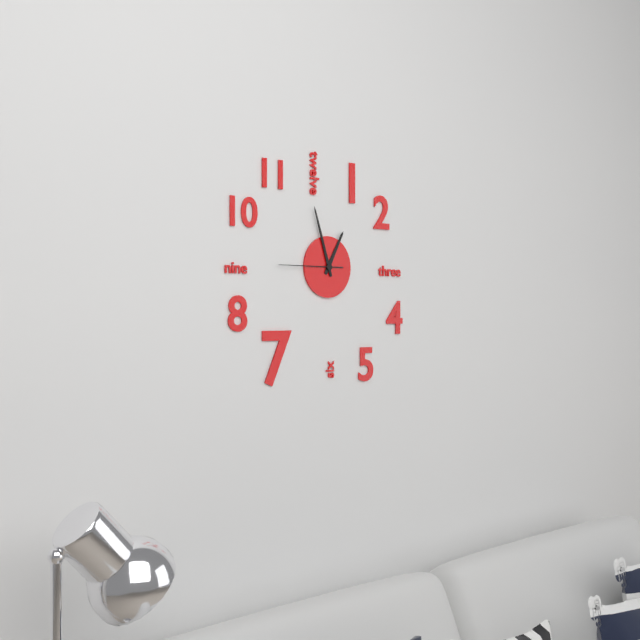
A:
12h57m45s
